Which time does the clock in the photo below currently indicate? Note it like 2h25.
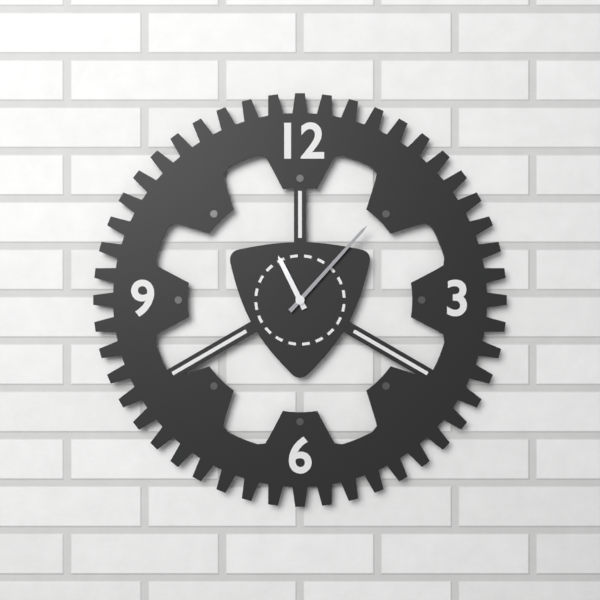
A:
11h07
